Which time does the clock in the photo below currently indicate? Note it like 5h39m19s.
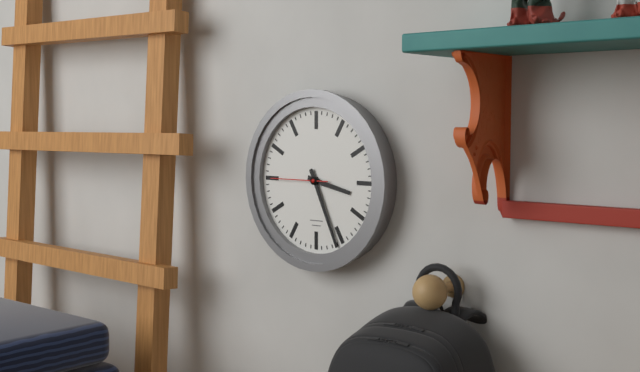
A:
3h26m45s
